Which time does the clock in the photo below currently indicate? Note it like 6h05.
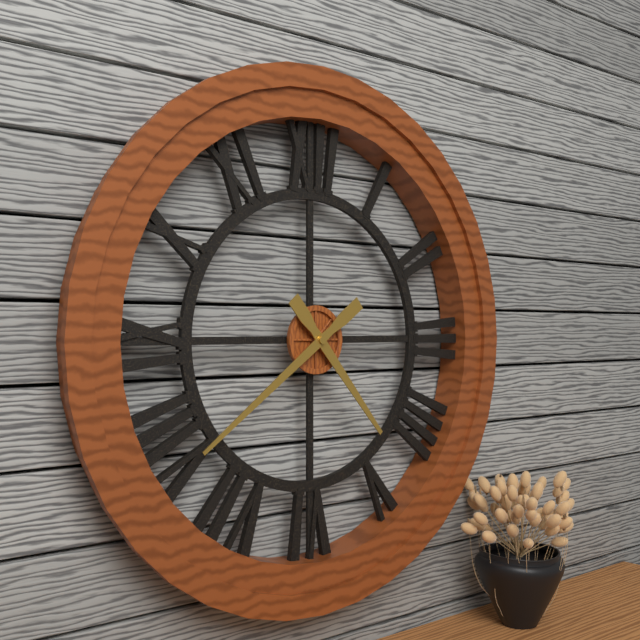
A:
4h39
